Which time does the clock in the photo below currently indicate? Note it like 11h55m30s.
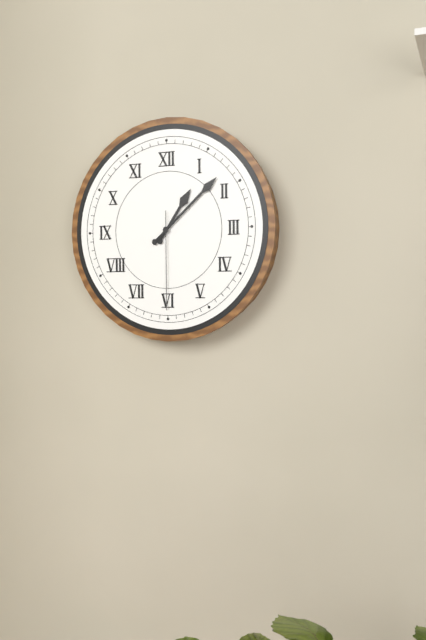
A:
1h08m30s
